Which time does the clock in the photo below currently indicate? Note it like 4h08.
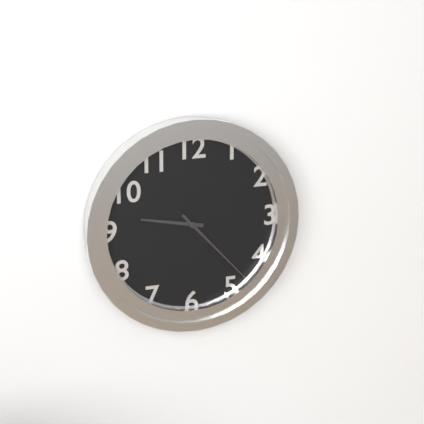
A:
9h23
